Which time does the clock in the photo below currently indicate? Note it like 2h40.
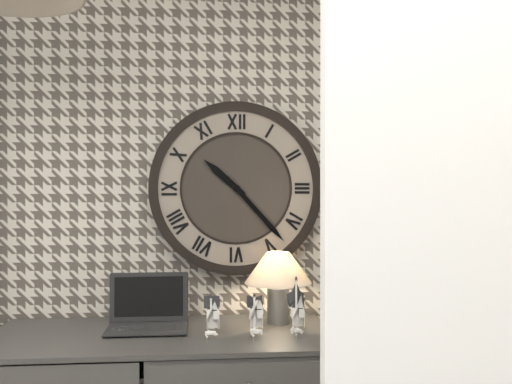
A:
10h23
